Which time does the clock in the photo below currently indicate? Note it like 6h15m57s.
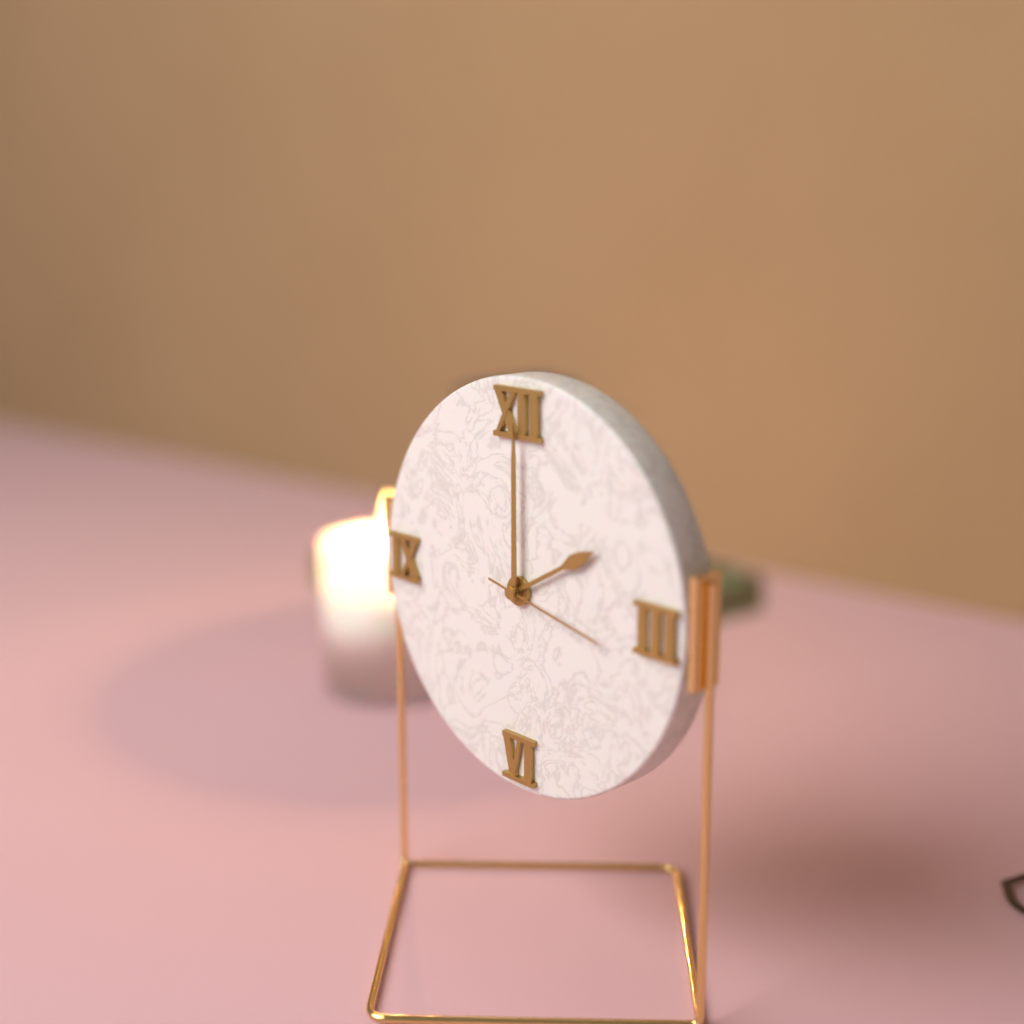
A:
2h00m17s
